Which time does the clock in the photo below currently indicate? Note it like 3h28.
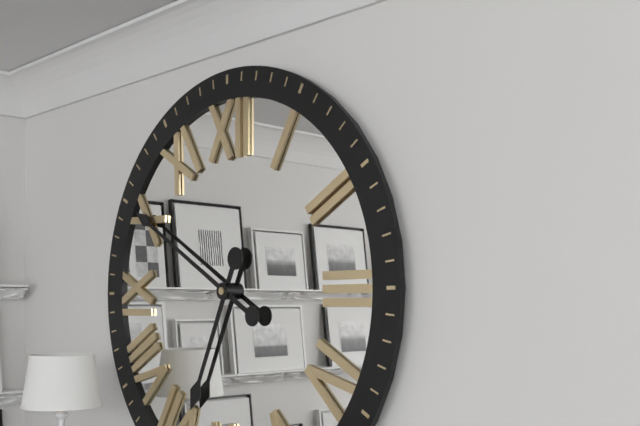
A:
6h50
